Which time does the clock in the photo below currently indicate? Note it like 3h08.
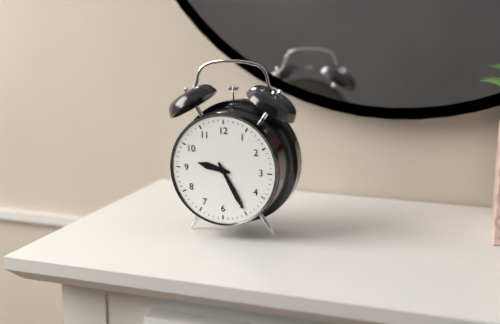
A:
9h25
